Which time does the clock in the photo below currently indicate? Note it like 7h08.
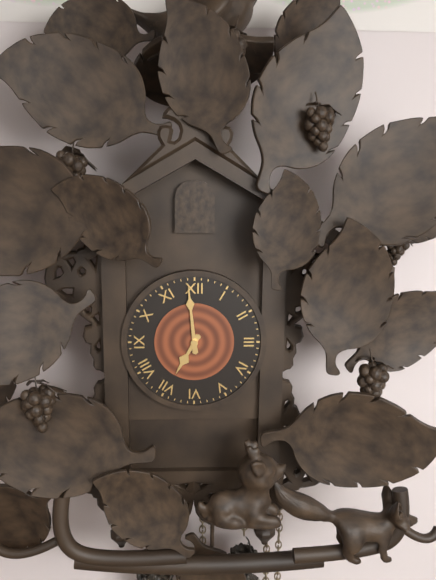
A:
6h59
